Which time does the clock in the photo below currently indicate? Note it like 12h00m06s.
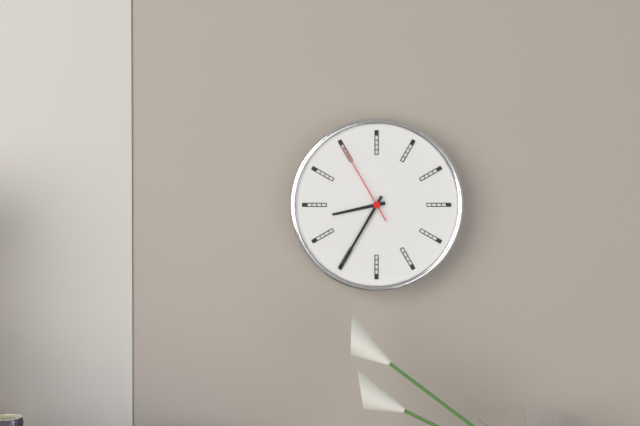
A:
8h35m55s
